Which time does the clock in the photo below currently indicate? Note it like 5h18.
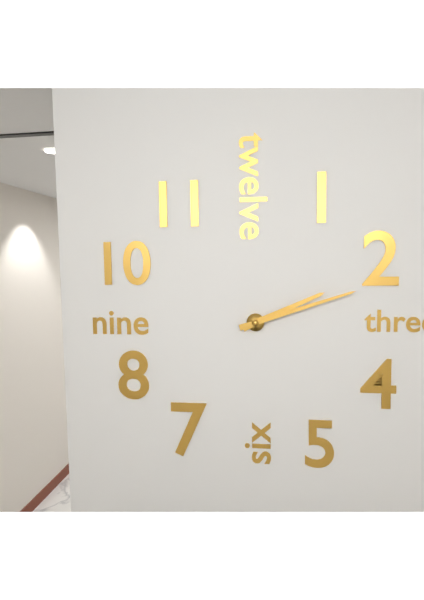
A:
2h12
